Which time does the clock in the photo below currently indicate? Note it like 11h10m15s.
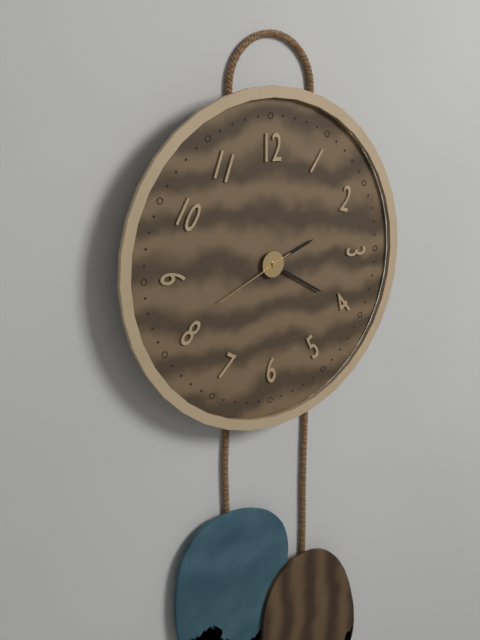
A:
2h20m41s
